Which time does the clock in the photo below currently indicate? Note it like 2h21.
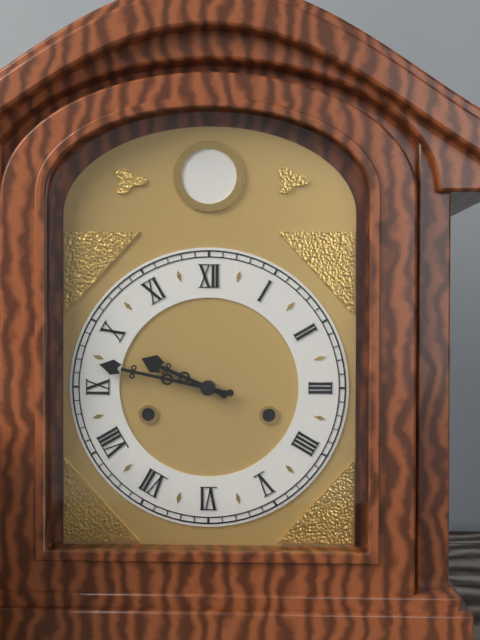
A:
9h47
